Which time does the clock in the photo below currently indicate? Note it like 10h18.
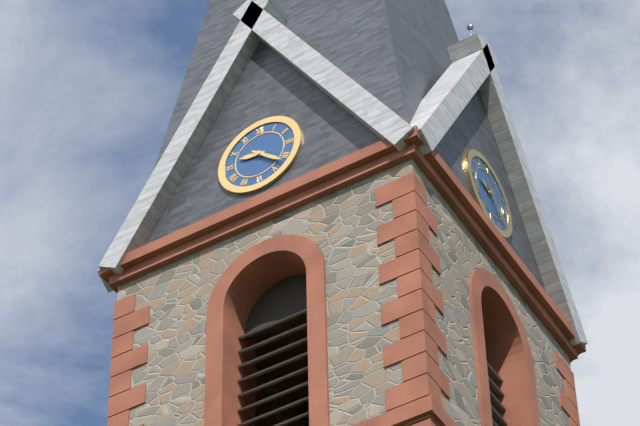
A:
9h22
